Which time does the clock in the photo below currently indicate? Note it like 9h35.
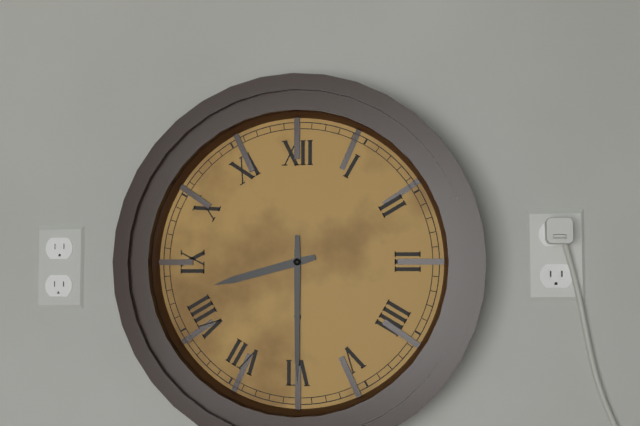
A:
8h30
